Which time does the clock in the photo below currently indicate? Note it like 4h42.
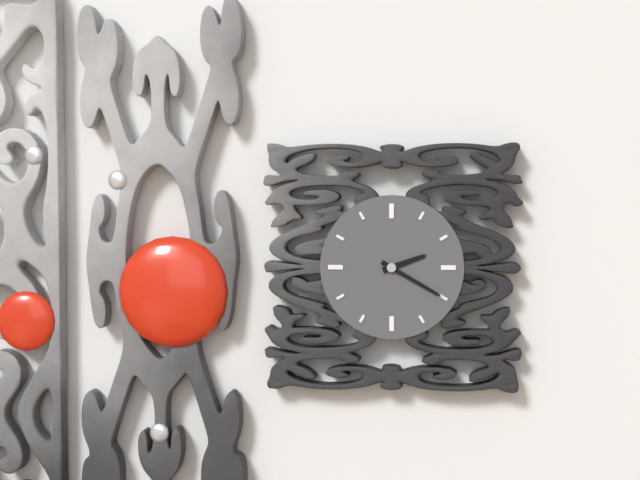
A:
2h20
